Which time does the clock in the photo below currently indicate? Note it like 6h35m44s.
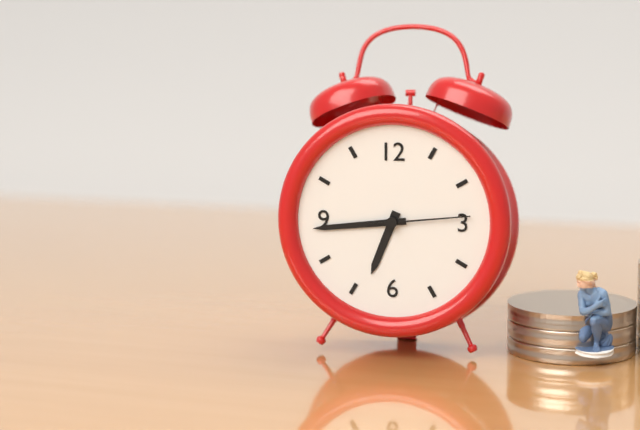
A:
6h44m14s
